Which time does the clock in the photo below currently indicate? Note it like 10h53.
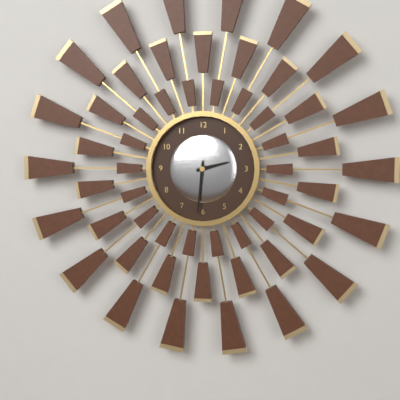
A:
2h31
